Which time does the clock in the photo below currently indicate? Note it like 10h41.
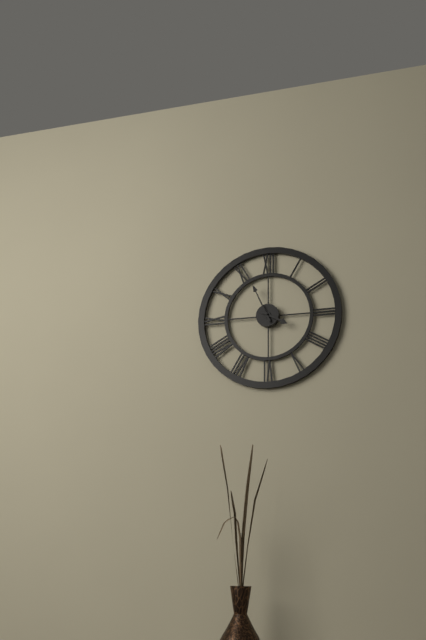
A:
3h56
